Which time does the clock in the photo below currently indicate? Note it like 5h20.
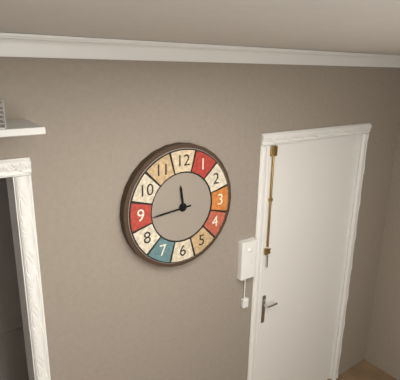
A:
11h44
